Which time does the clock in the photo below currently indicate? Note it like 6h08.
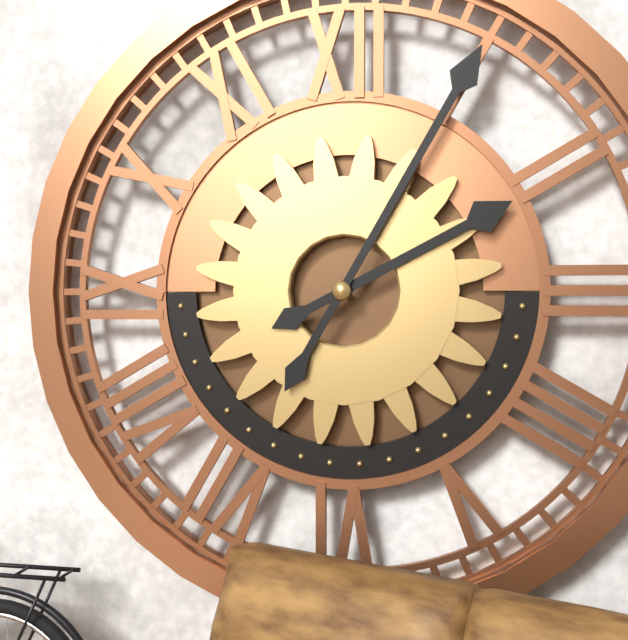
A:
2h05
